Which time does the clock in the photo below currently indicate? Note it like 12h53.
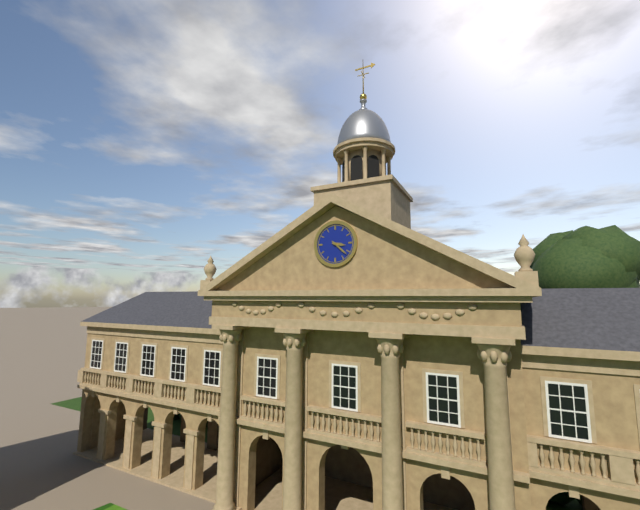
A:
3h22
